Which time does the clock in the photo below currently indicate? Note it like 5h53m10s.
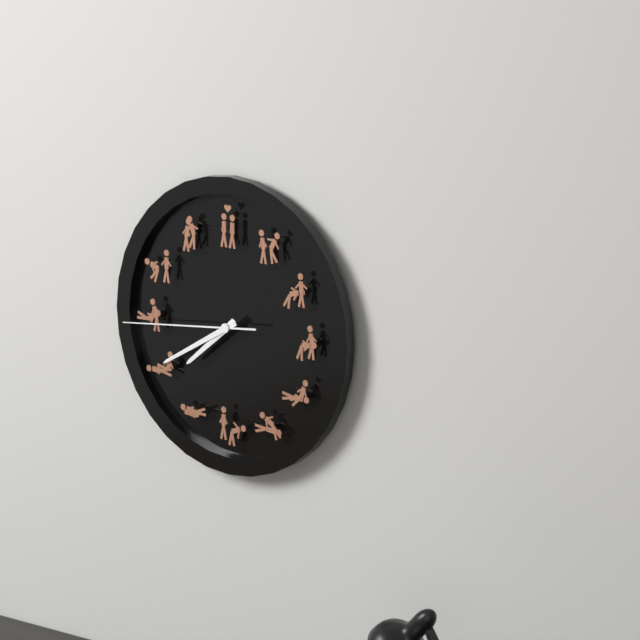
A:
7h40m44s
